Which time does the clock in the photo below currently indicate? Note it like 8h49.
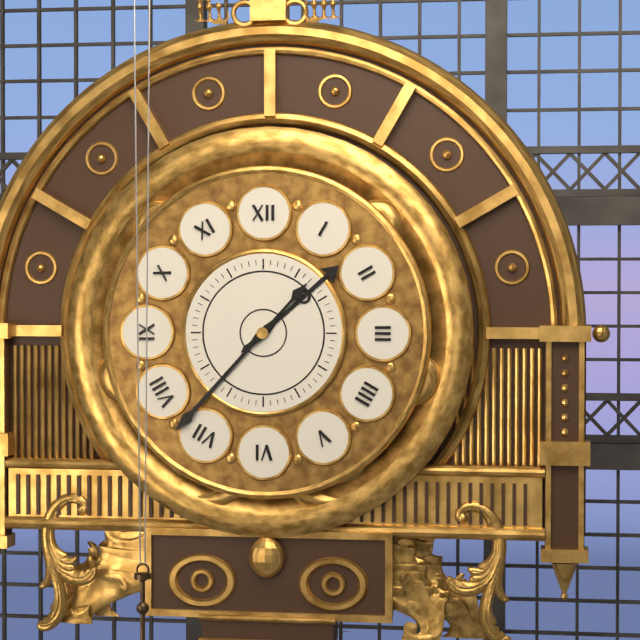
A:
1h37
